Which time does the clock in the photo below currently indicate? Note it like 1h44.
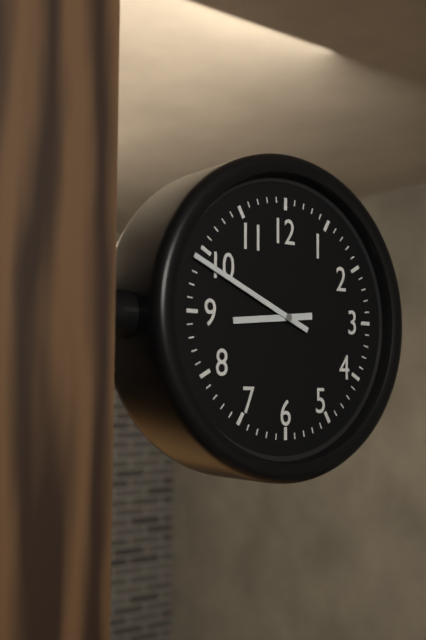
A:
8h49
